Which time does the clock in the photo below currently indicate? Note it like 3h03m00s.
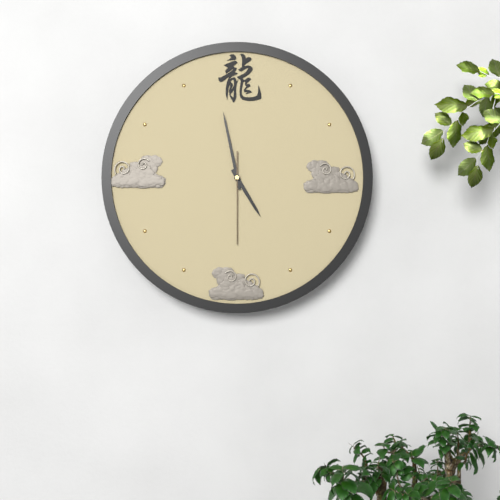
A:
4h58m30s
